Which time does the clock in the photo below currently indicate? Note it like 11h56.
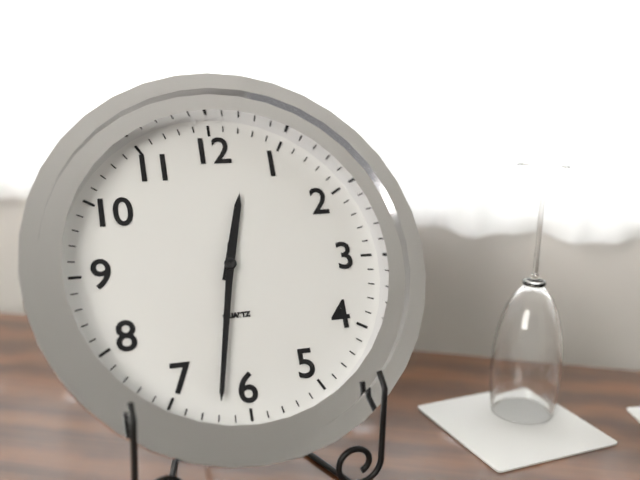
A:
12h32
